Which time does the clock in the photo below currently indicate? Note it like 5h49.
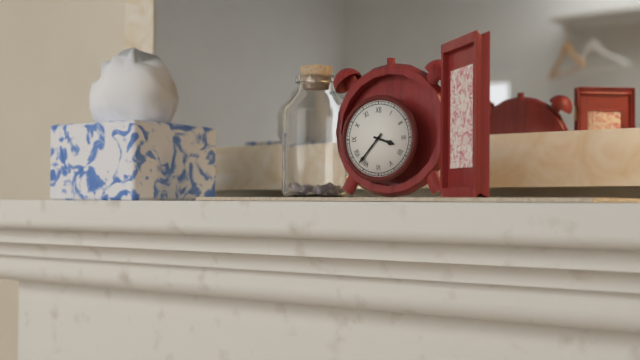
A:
3h37
